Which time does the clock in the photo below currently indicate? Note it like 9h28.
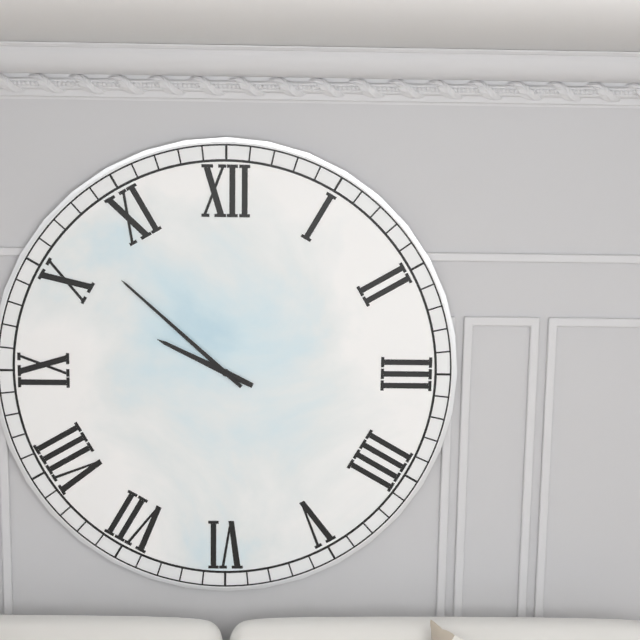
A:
9h52
